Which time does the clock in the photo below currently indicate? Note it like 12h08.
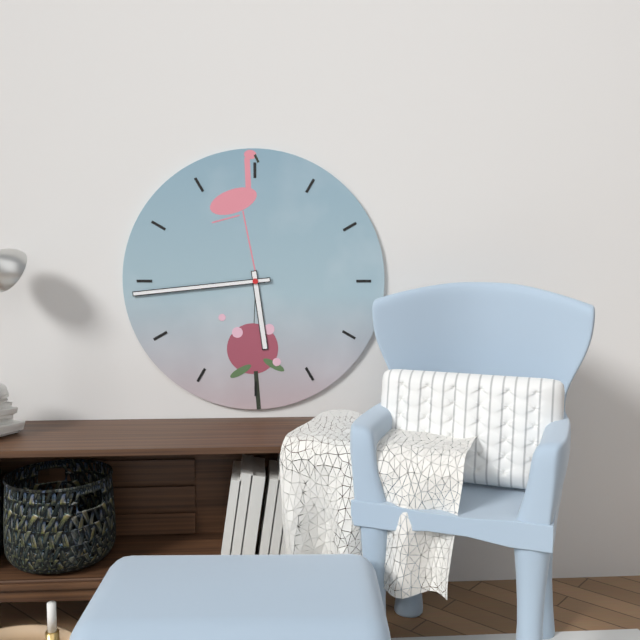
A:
5h44
